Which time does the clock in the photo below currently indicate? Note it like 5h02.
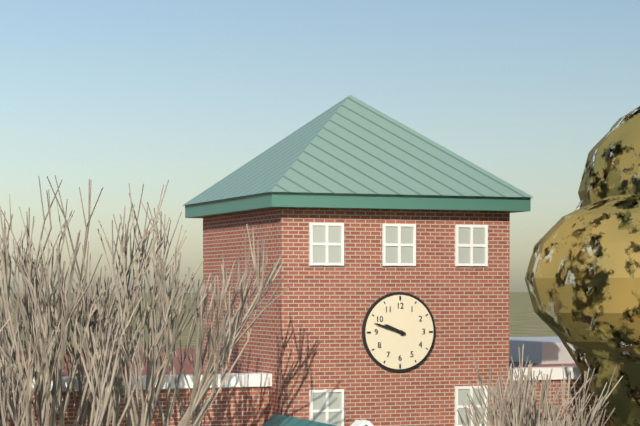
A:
9h48
